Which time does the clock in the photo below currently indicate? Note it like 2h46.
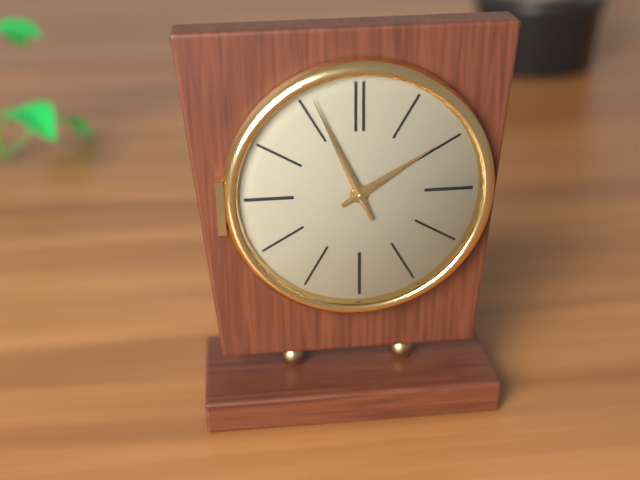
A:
1h56
